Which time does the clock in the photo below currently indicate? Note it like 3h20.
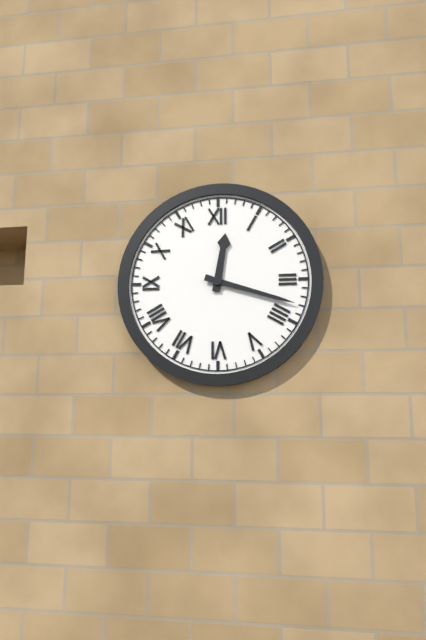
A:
12h18
